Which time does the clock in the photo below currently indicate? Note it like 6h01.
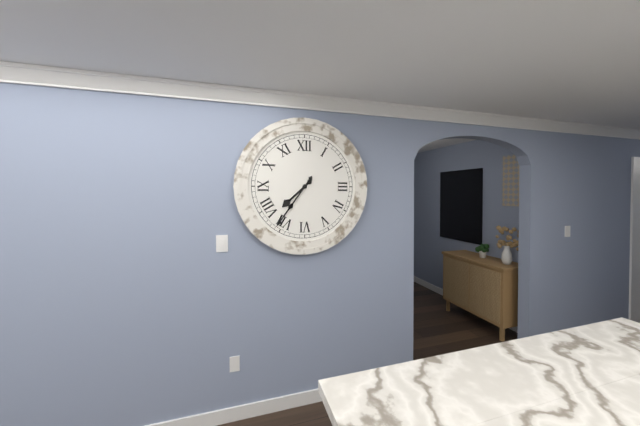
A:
7h36
